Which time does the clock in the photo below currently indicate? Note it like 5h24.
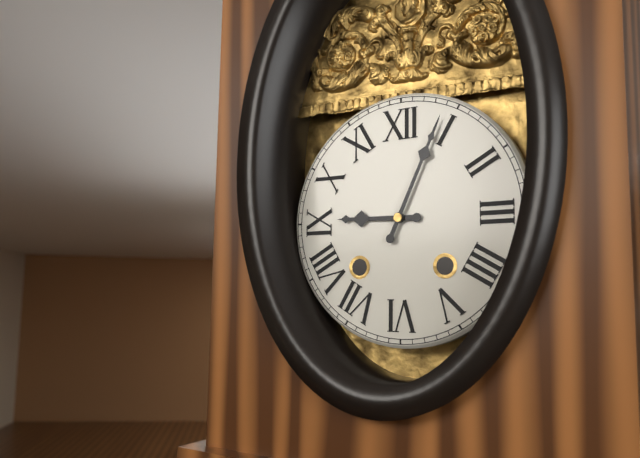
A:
9h04
